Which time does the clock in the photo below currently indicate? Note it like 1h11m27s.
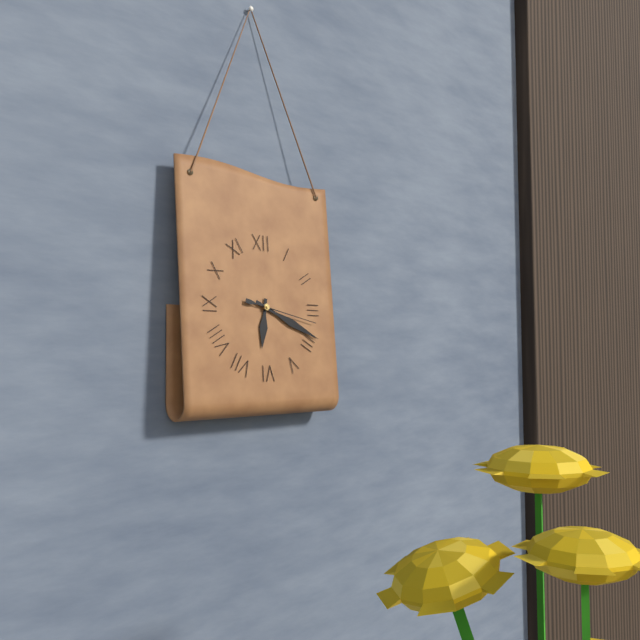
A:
6h19m17s
